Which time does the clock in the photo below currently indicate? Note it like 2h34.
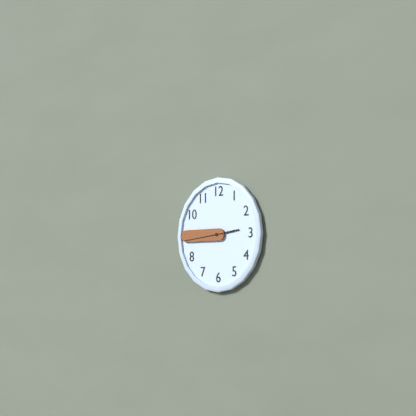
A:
2h45
